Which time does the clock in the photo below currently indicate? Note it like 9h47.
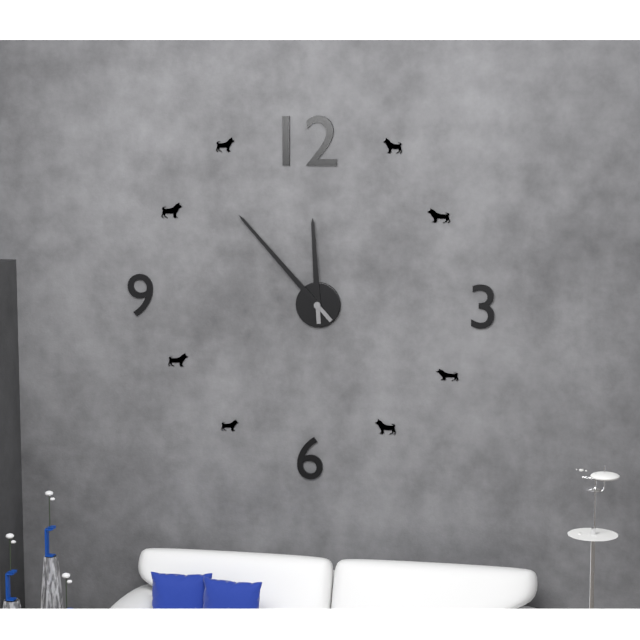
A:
11h53
